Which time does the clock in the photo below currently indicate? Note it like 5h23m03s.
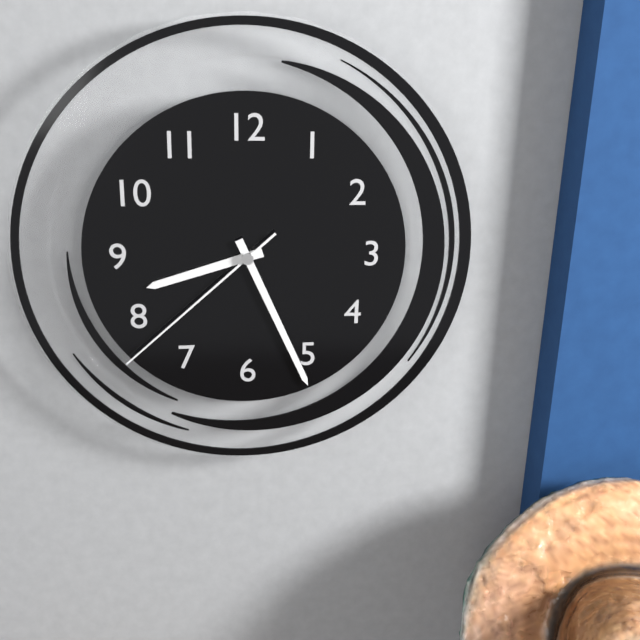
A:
8h26m38s
